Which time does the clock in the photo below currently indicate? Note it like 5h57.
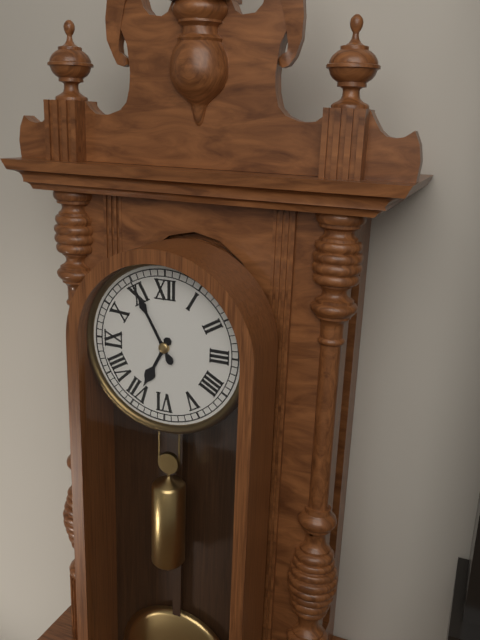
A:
6h55
